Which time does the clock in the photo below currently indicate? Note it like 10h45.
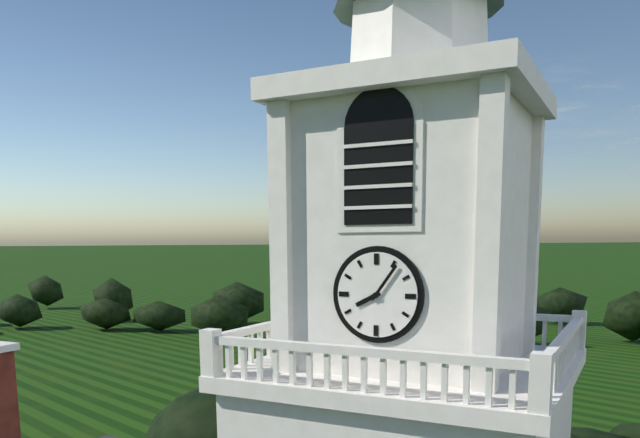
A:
8h06
